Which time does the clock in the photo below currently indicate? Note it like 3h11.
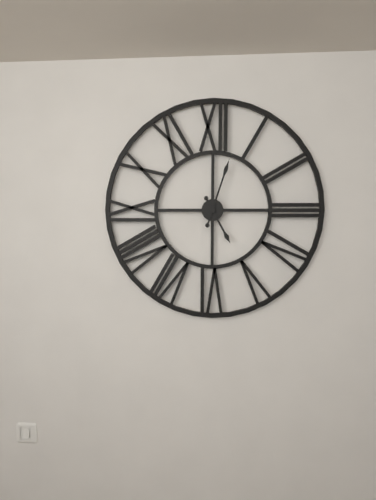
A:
5h03
